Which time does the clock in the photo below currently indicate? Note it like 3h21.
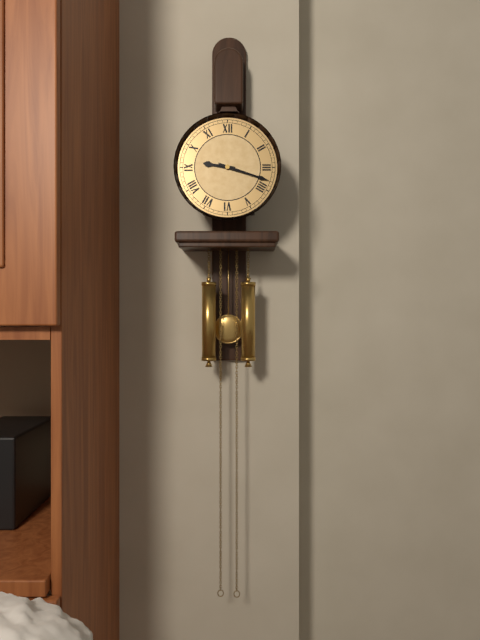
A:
9h18
